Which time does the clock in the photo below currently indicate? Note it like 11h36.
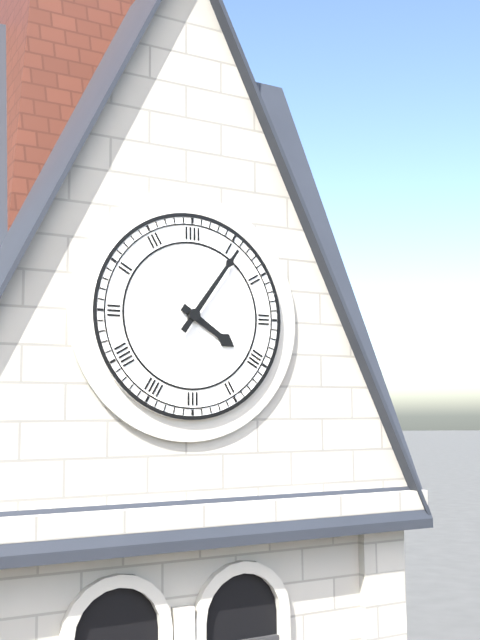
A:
4h06
